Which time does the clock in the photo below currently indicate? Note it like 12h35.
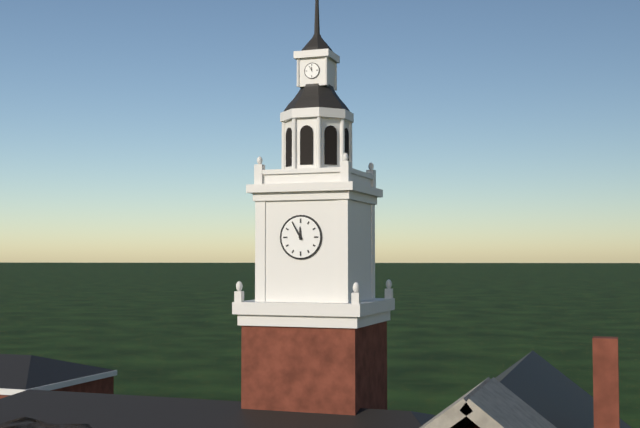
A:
11h55
